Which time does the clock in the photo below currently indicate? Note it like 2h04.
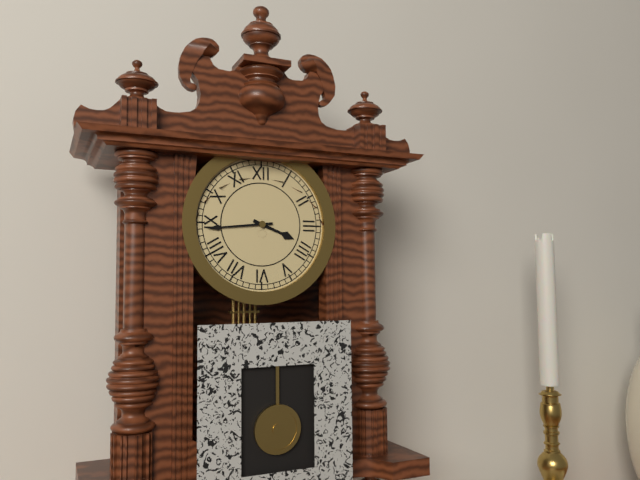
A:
3h44
